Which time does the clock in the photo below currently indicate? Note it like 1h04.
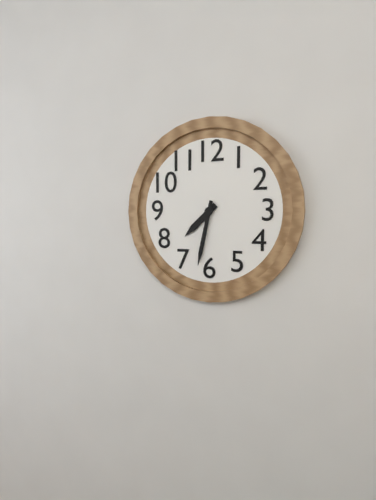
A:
7h32
